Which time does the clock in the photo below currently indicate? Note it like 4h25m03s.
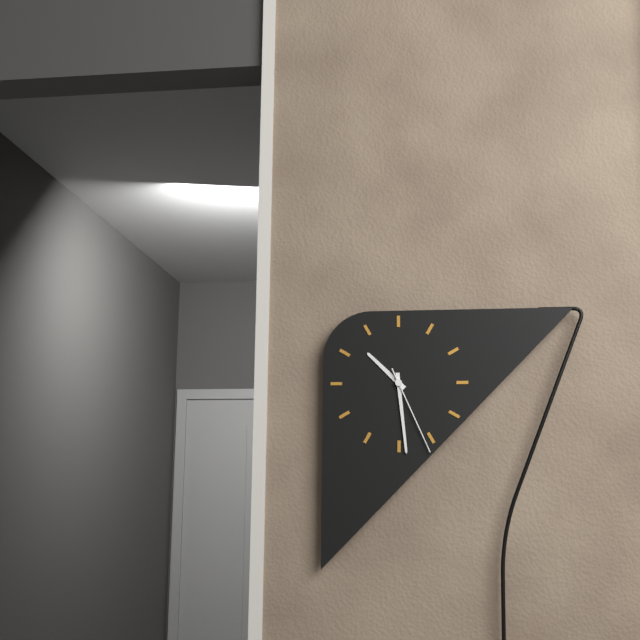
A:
10h29m26s
